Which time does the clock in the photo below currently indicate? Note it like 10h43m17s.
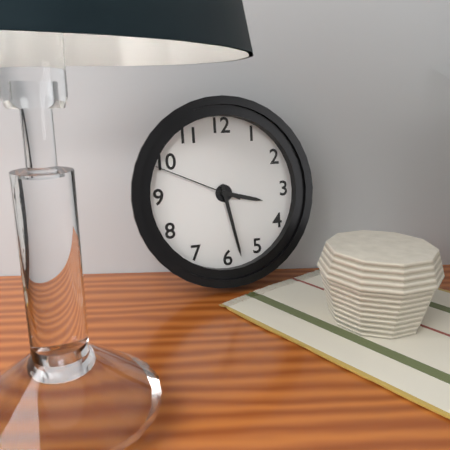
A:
3h28m49s
